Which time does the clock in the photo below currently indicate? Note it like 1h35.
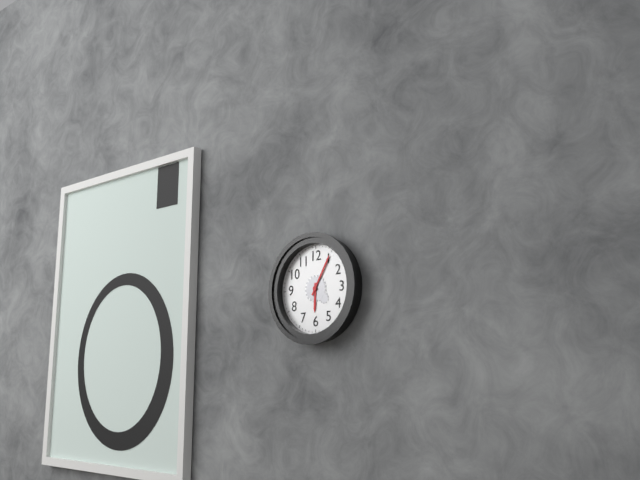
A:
6h05
